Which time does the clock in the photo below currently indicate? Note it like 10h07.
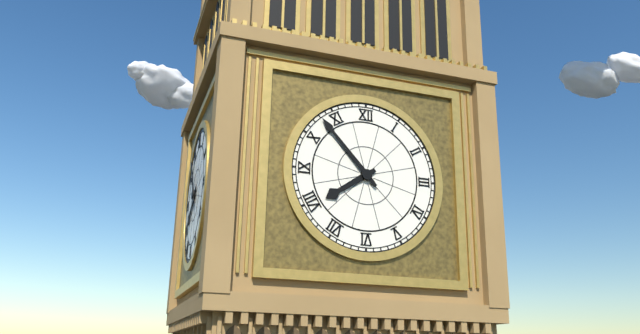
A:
7h53
